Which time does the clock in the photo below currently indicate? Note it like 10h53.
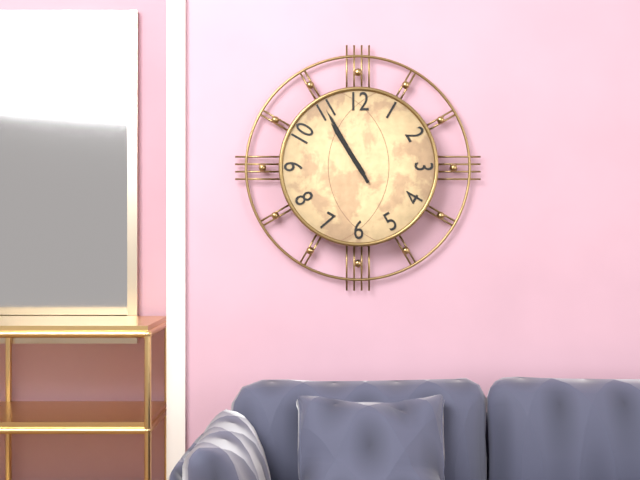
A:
10h55
